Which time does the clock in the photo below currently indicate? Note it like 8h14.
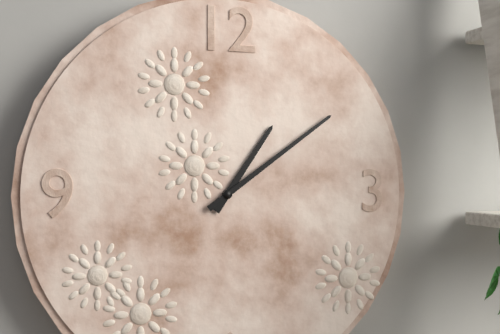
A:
1h09
